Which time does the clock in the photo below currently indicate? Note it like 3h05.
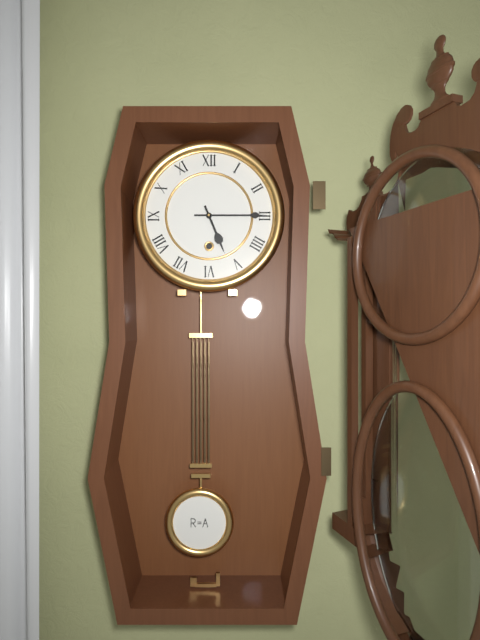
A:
5h15
